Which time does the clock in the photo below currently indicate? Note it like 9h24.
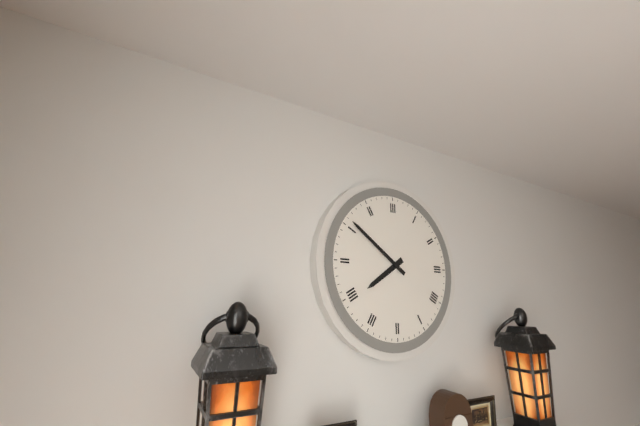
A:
7h51
